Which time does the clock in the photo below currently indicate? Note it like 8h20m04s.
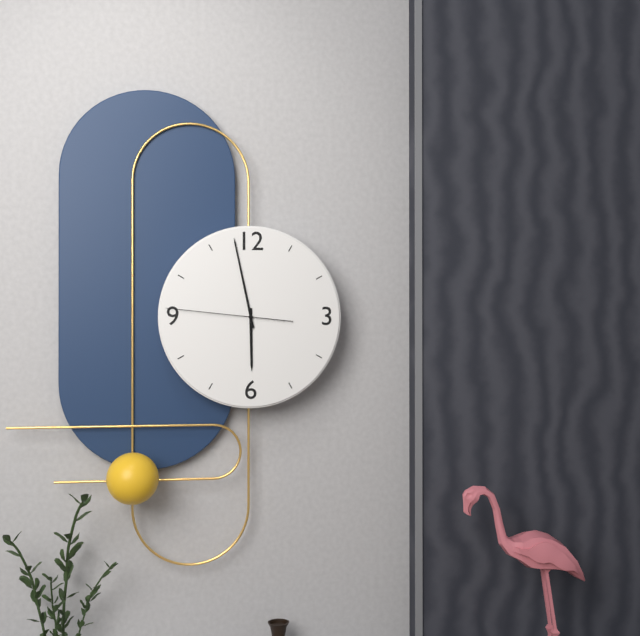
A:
5h58m46s
